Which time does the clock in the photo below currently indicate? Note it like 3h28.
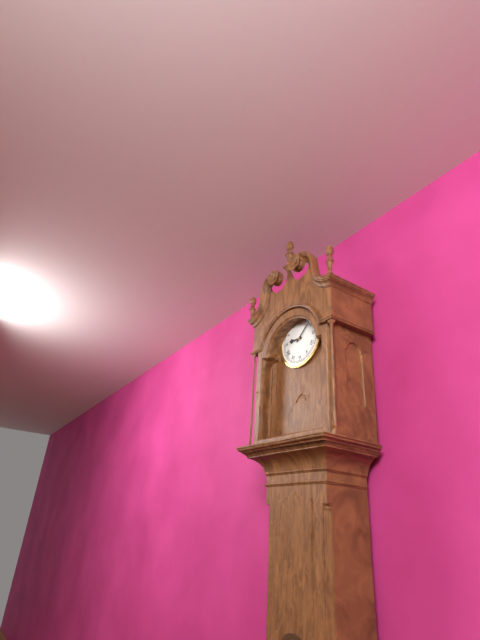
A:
9h08
